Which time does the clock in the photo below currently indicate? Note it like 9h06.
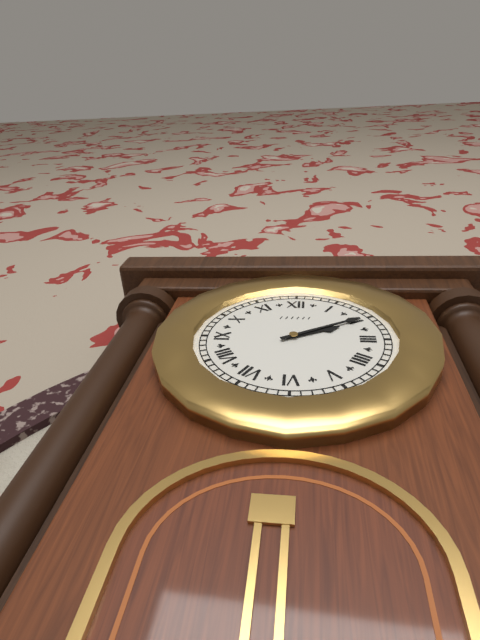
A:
2h10
